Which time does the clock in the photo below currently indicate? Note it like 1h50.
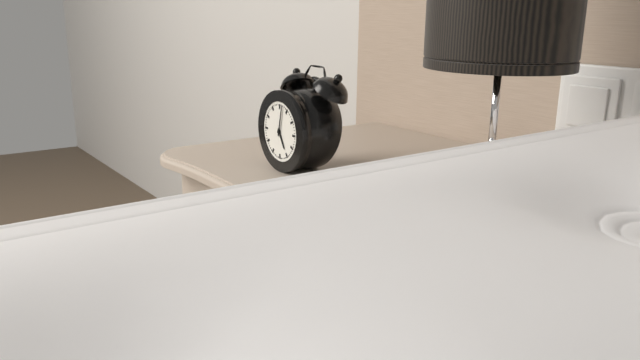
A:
5h02
